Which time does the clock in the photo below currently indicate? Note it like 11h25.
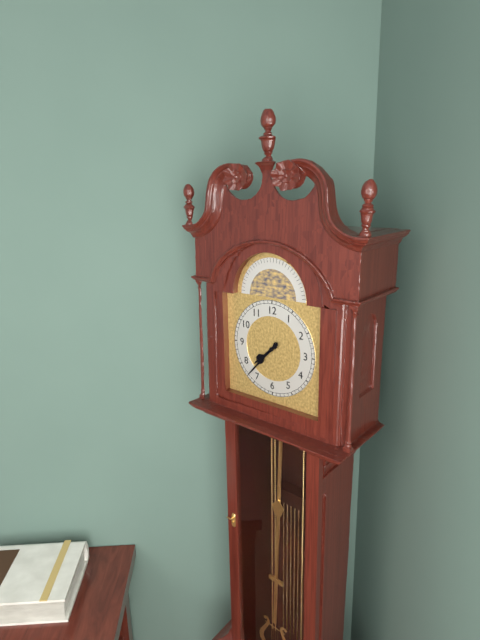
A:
7h37
